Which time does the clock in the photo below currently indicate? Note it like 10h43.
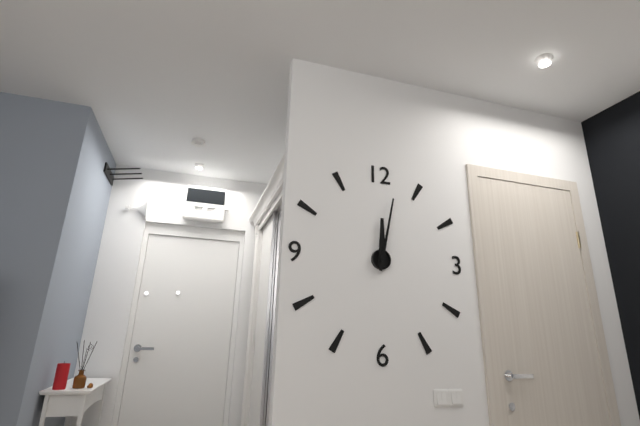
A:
12h02
